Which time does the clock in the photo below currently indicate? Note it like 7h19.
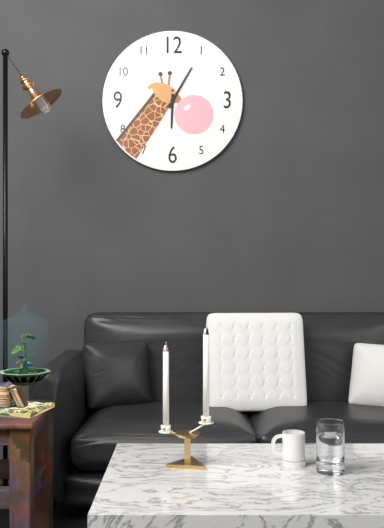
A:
6h05
